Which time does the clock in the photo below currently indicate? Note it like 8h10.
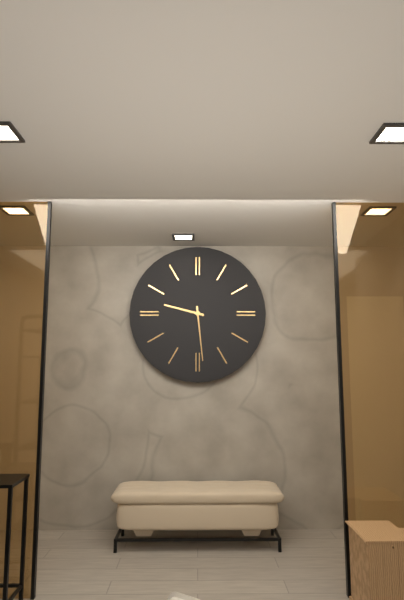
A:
9h29
